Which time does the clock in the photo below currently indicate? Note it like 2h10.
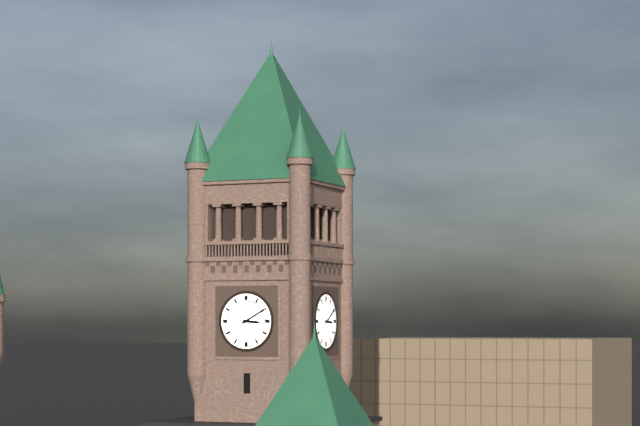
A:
3h10
